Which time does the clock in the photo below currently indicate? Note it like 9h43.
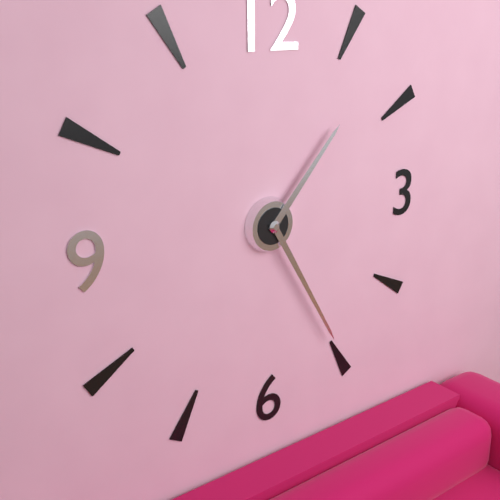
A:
1h25
